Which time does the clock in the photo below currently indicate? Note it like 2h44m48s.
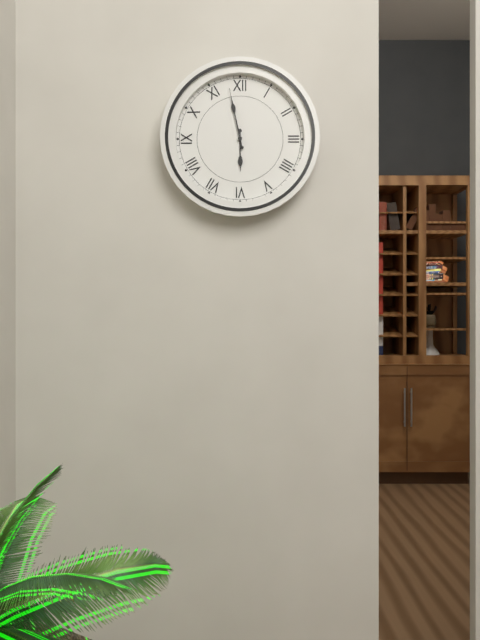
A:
5h58m58s
